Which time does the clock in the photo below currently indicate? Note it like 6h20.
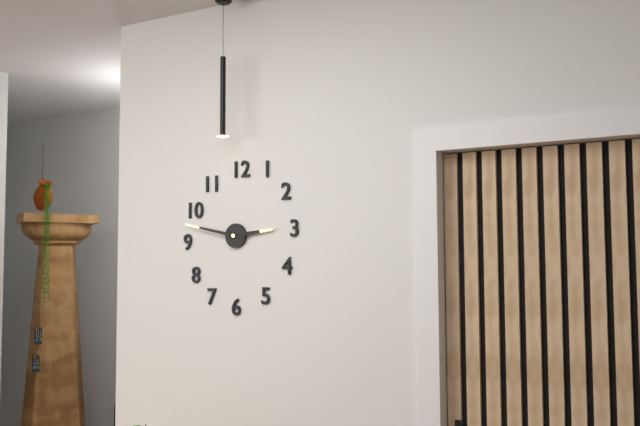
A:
2h47
